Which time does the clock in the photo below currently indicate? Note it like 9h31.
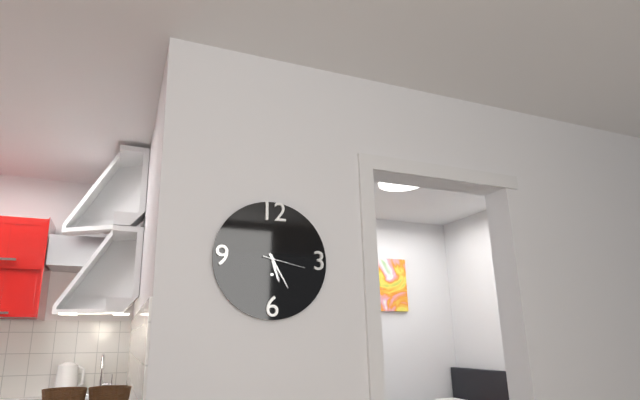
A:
5h25
